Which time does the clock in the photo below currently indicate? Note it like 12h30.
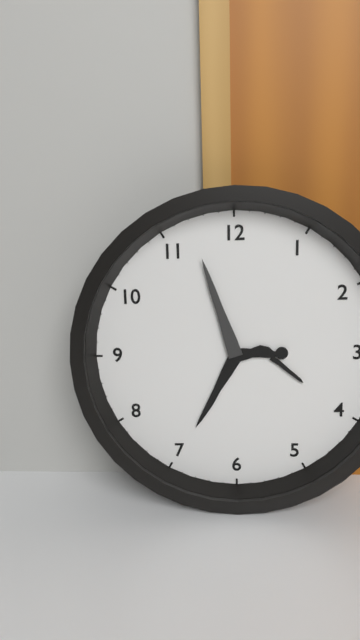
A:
6h57
